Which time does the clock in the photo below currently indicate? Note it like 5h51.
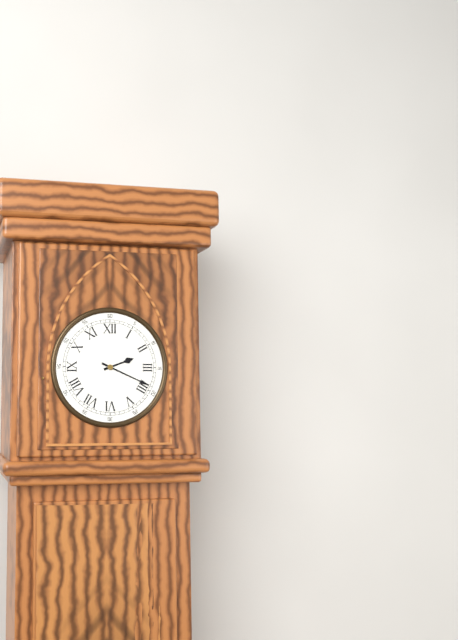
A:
2h19
